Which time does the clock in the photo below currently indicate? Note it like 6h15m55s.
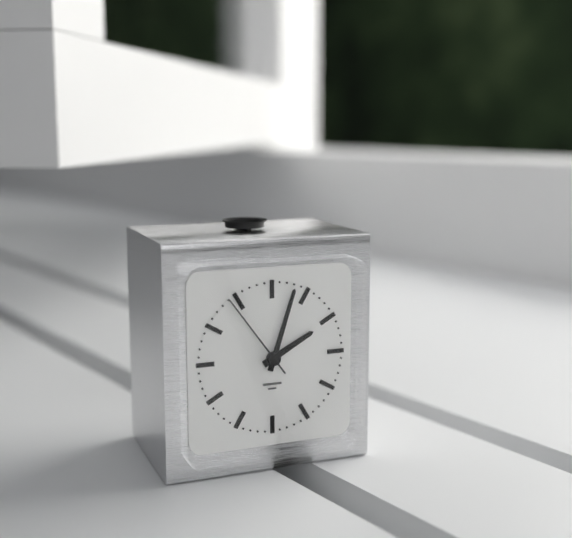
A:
2h03m54s
